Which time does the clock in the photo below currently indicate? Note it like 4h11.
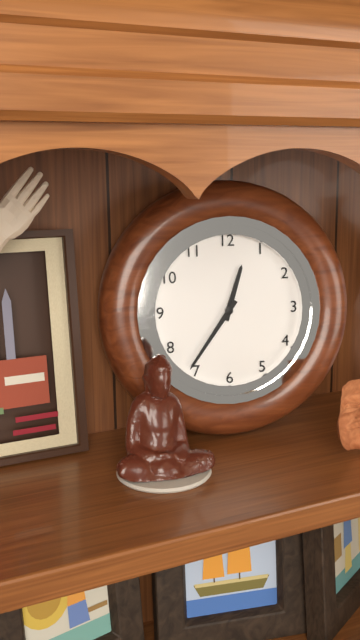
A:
12h36
